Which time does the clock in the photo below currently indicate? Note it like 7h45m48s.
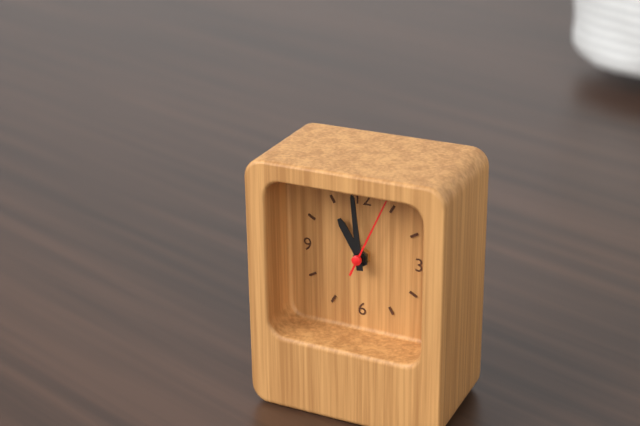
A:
10h59m04s
